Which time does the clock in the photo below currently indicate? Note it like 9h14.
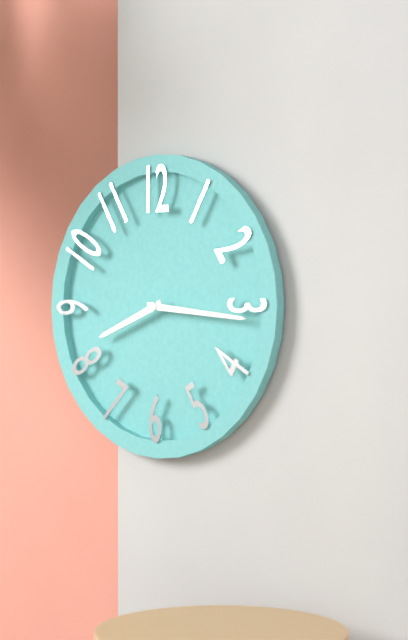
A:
8h16
